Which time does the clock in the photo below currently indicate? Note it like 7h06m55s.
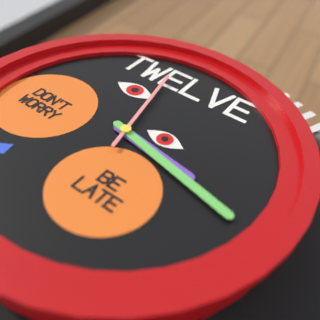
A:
3h17m58s
